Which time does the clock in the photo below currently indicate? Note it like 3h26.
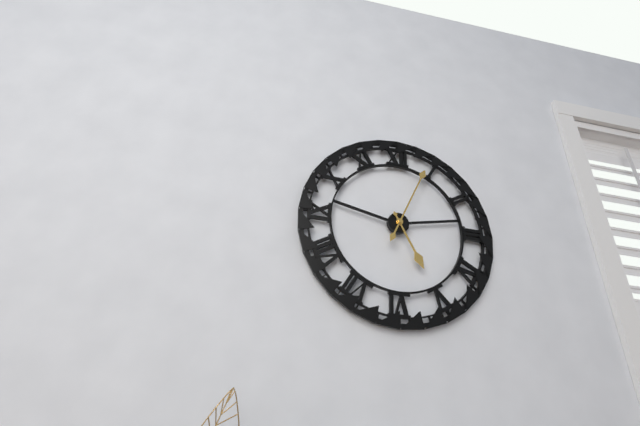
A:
5h04
